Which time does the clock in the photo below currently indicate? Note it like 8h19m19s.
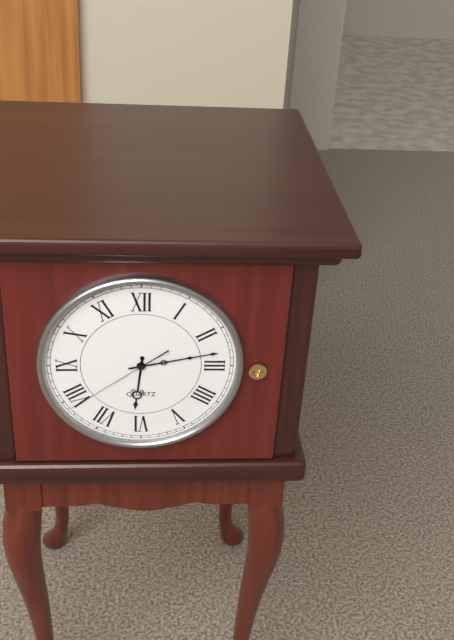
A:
6h13m39s
